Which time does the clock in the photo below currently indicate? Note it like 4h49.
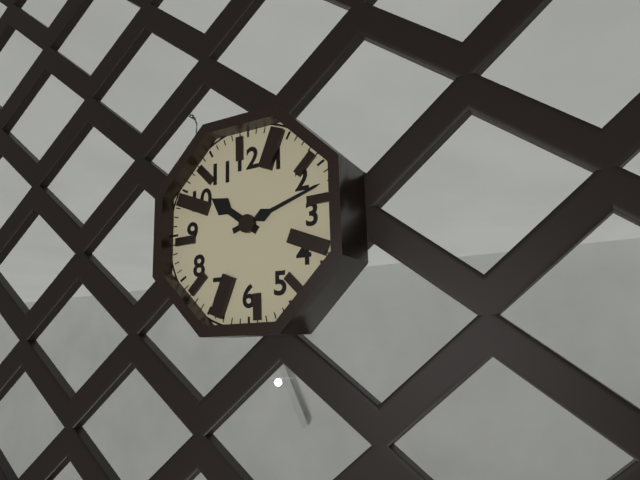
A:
10h12
